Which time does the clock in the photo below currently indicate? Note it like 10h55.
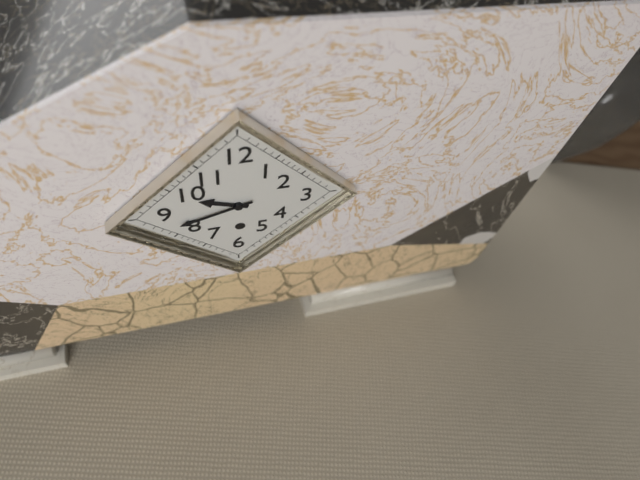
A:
9h42
